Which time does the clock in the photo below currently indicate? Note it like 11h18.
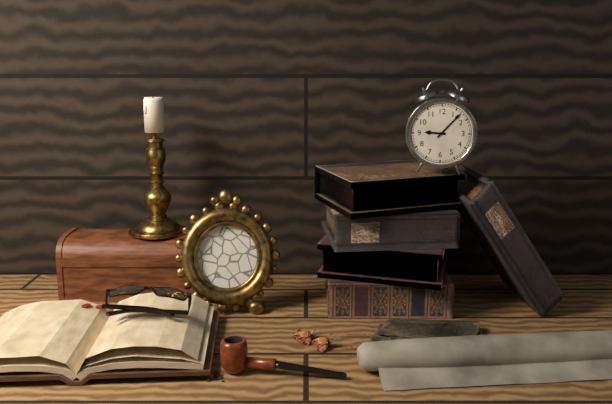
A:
9h07
